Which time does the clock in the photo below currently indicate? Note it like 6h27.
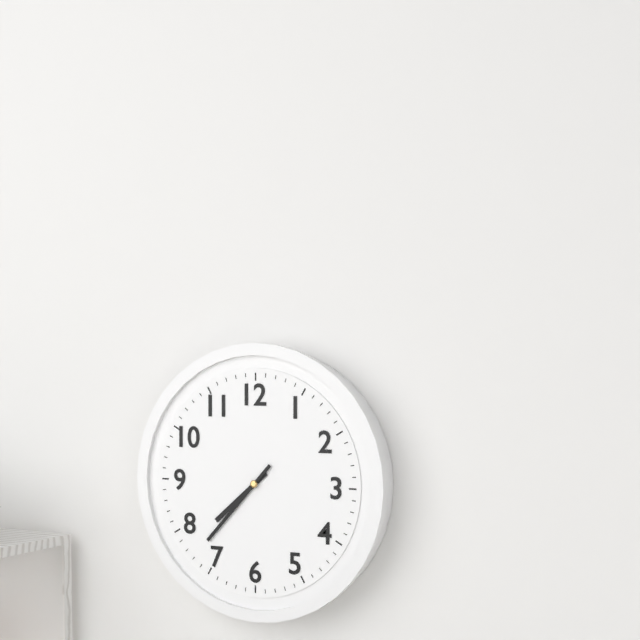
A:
7h37
